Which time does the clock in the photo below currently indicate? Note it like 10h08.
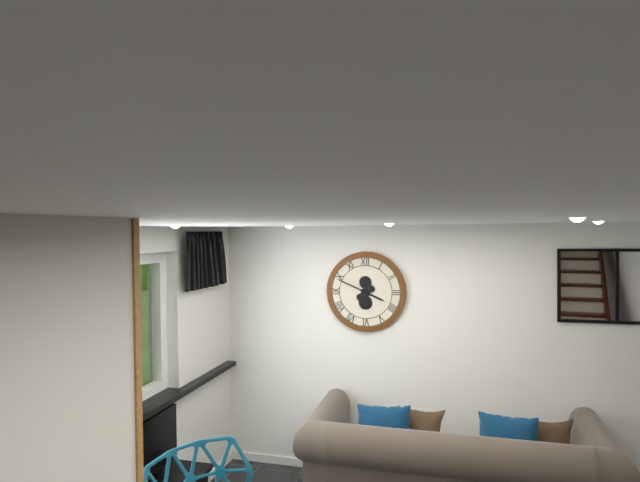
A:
3h49
